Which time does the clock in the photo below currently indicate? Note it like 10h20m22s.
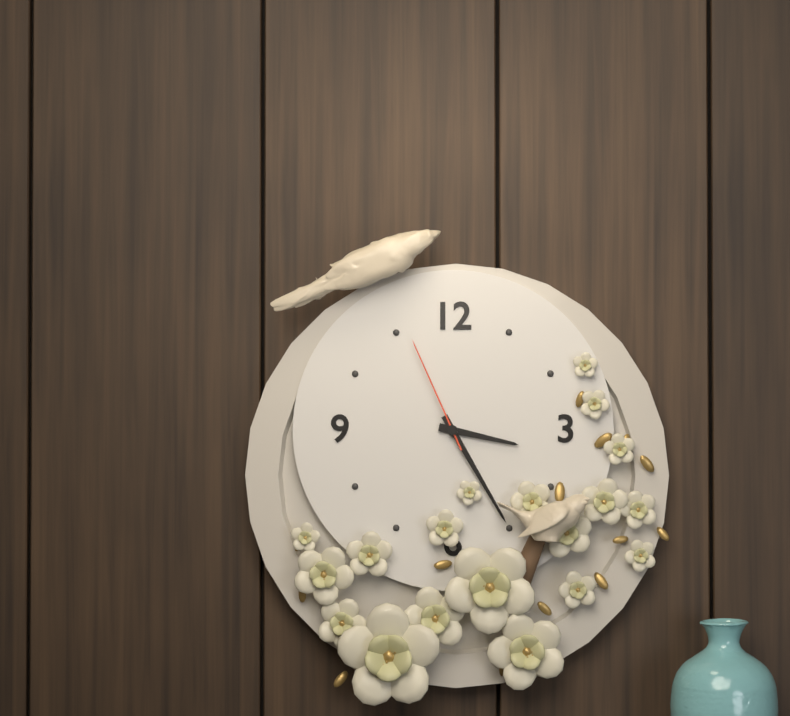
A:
3h25m56s
